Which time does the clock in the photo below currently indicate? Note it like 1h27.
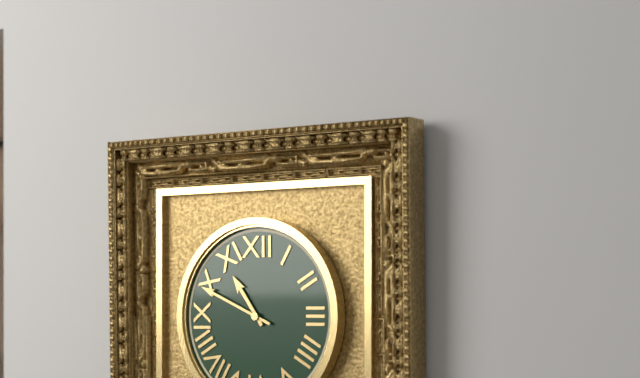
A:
10h49
